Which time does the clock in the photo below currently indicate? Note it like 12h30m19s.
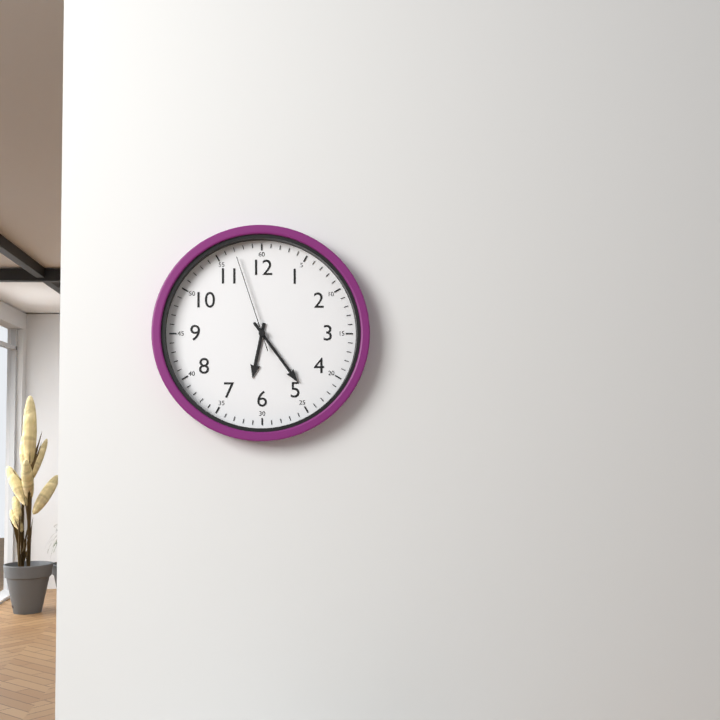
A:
6h24m57s
